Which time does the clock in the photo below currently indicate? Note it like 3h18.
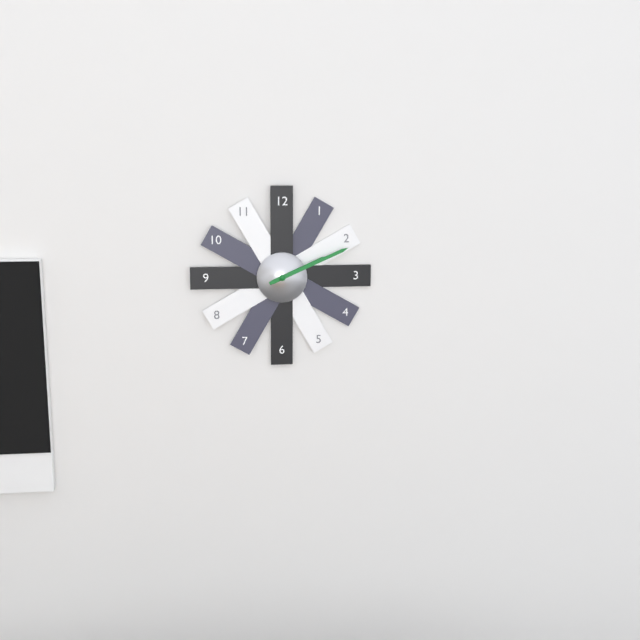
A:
2h11
